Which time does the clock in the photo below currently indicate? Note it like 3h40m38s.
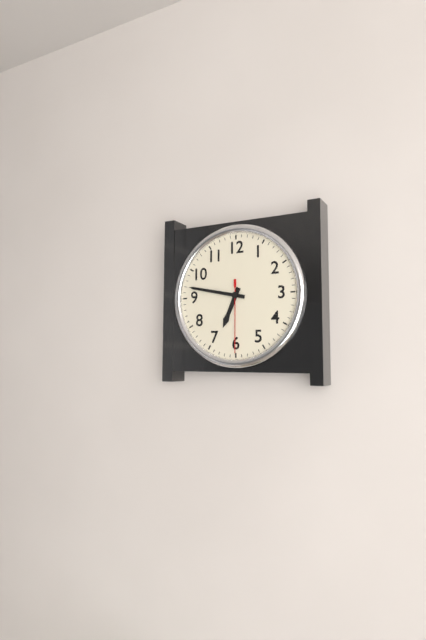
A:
6h47m30s
